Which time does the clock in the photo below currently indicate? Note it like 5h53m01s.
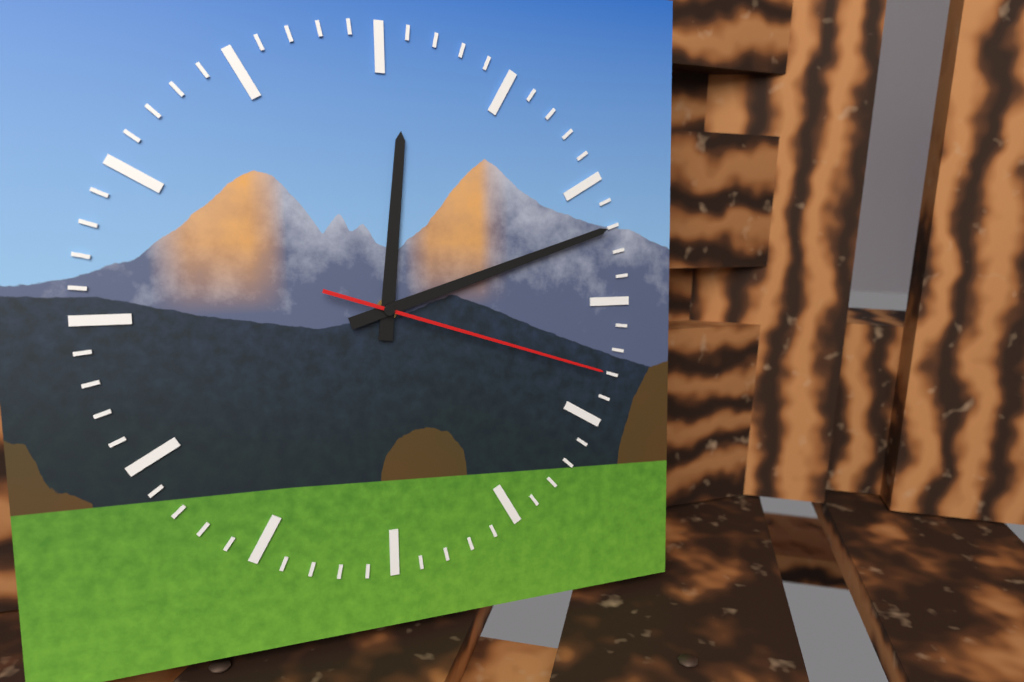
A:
12h12m18s
